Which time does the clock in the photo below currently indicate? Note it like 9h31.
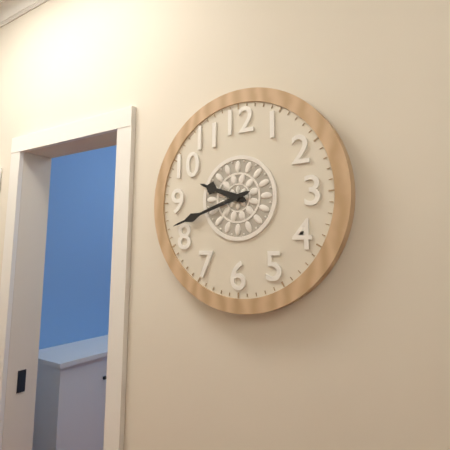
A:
9h42
